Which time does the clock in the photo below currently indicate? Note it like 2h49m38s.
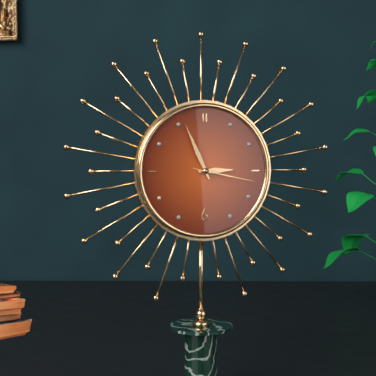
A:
2h56m17s
